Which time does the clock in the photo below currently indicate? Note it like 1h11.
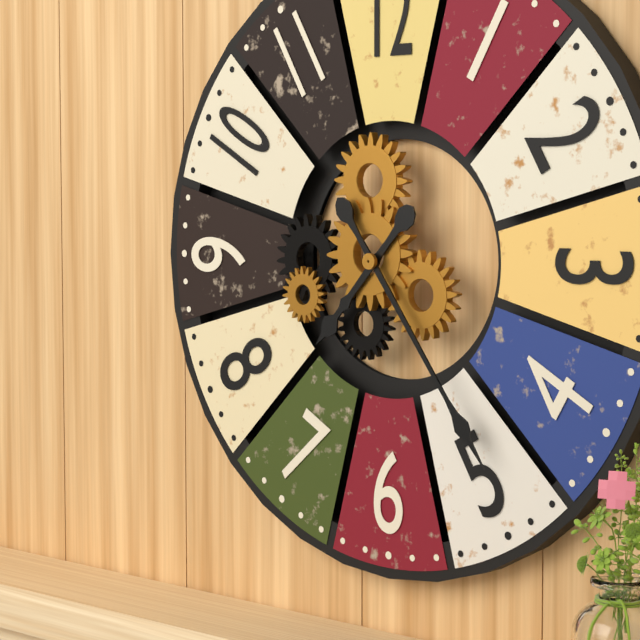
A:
7h24
